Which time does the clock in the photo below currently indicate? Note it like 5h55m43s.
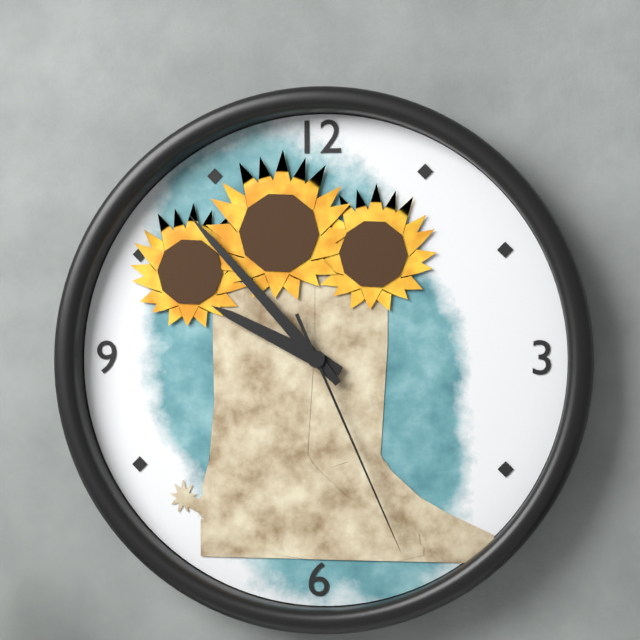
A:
9h53m26s
